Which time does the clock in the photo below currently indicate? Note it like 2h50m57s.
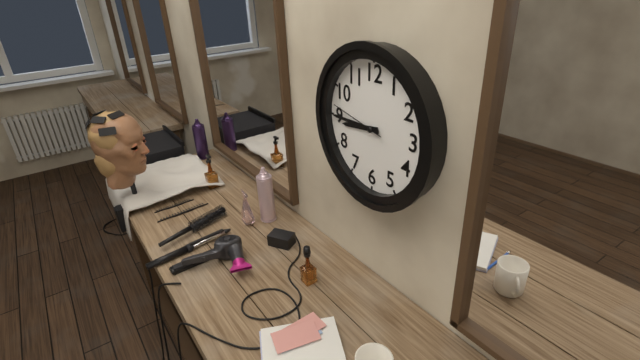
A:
8h45m47s
